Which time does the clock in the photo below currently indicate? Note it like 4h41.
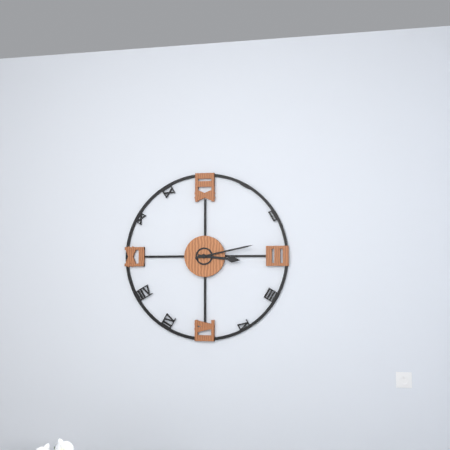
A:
3h13
